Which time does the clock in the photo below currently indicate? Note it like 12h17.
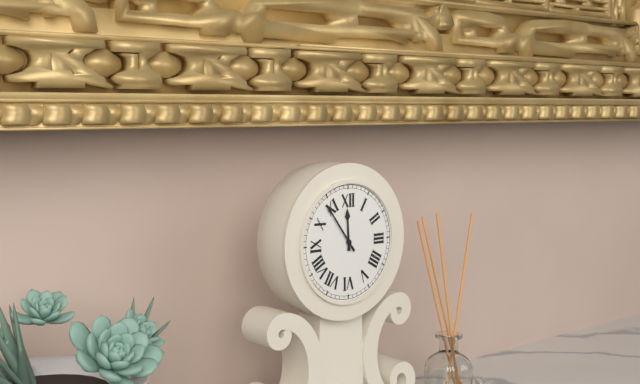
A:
11h54
